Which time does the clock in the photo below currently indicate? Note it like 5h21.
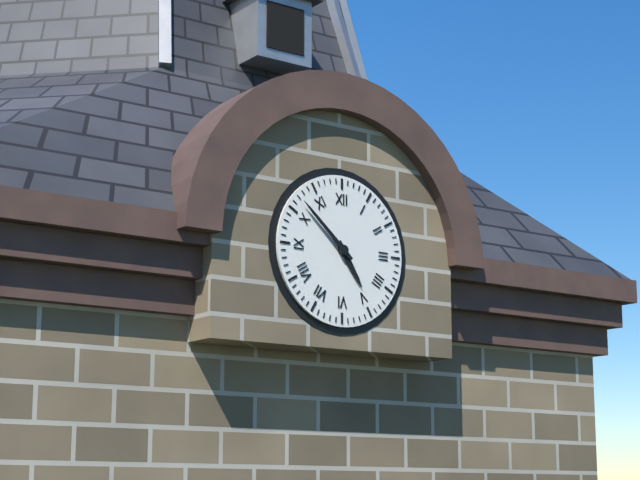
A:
4h52
